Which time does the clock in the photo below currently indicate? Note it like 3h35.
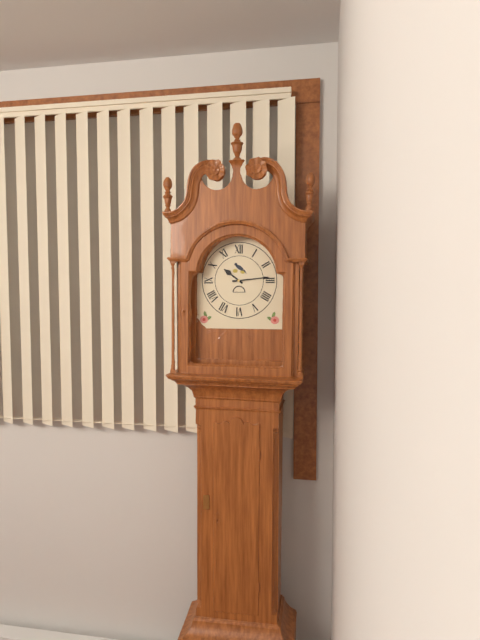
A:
10h14
